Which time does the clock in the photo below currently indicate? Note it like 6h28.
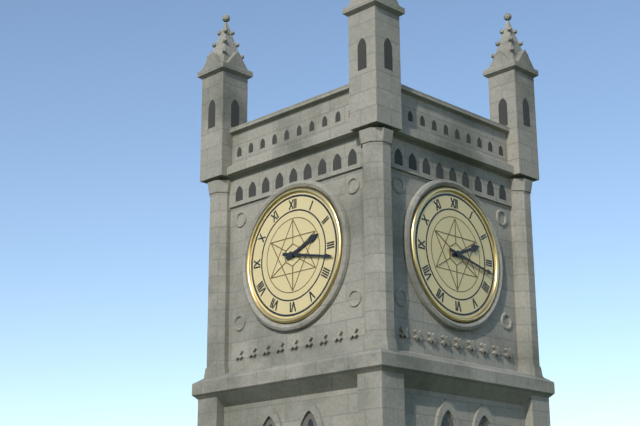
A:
2h17
